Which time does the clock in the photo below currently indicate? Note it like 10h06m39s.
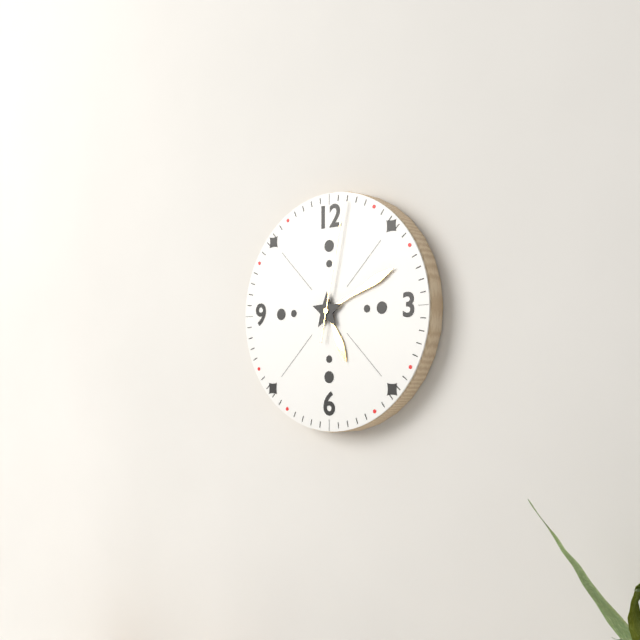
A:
5h11m02s
